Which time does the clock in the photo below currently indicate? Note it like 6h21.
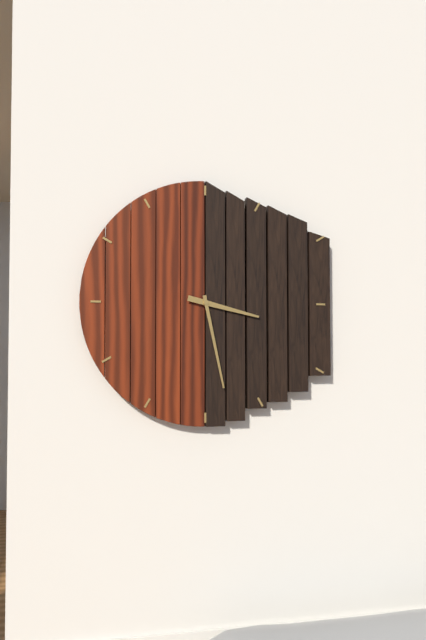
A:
3h28
